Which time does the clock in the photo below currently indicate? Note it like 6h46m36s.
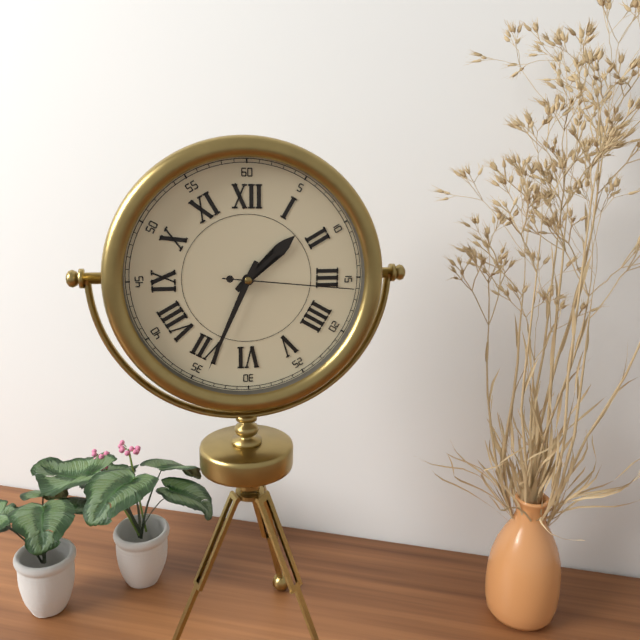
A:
1h34m16s
